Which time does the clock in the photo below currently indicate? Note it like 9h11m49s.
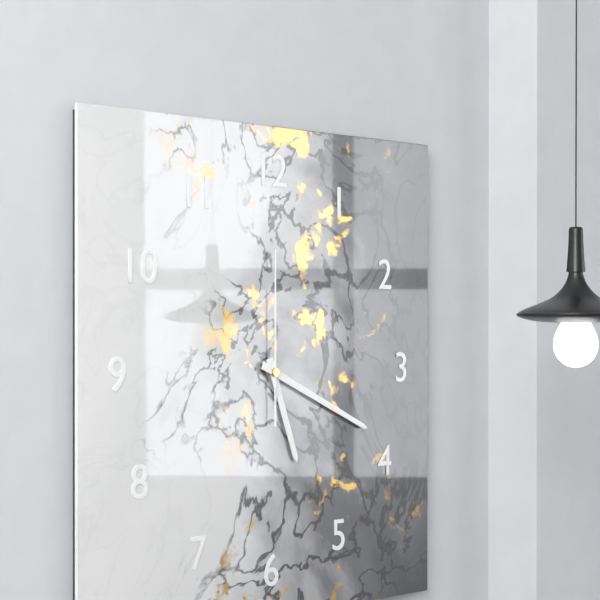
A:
5h19m00s
